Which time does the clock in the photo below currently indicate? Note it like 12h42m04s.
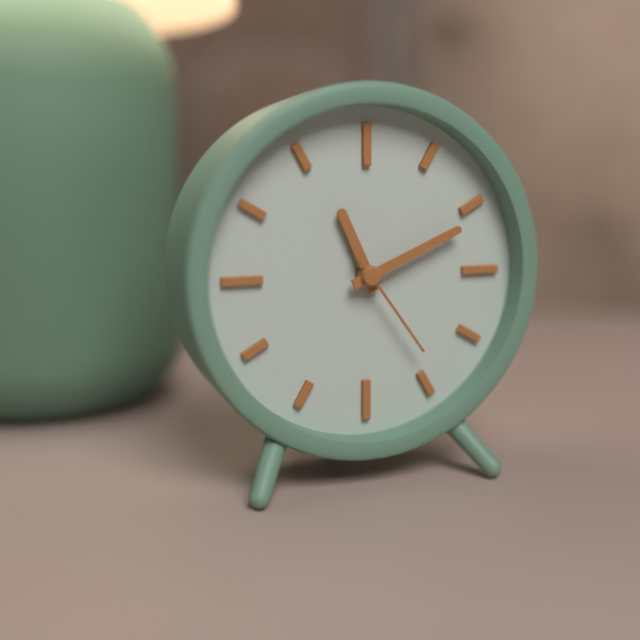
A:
11h11m24s
